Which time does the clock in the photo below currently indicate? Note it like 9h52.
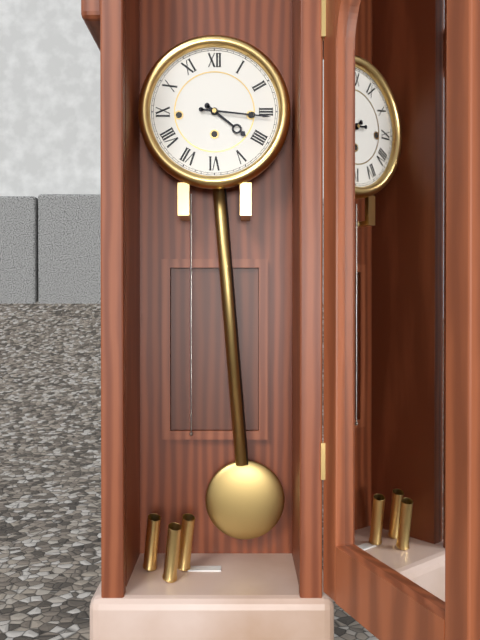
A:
4h16
